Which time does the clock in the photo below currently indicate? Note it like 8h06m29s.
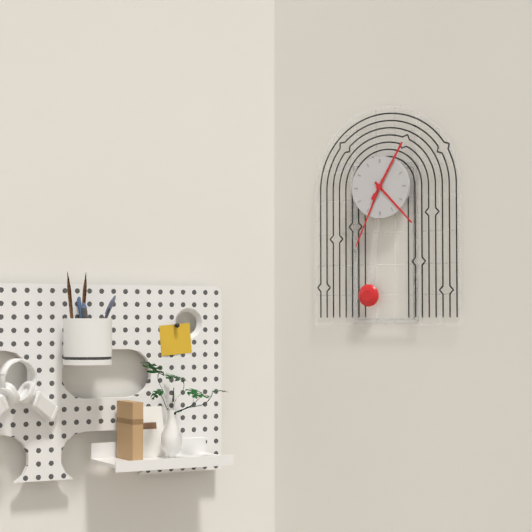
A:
4h34m05s
